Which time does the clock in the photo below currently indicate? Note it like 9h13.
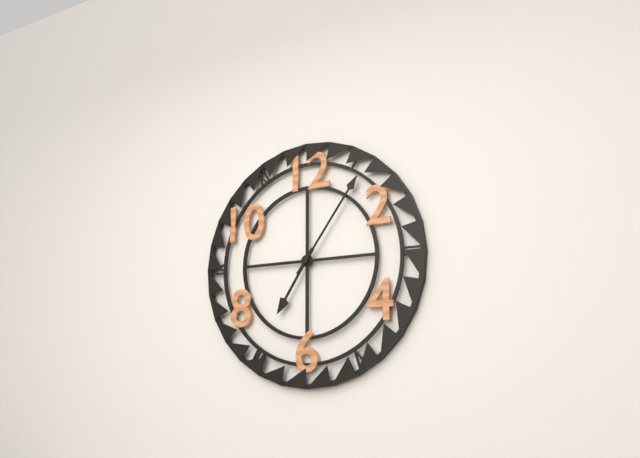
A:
7h06
